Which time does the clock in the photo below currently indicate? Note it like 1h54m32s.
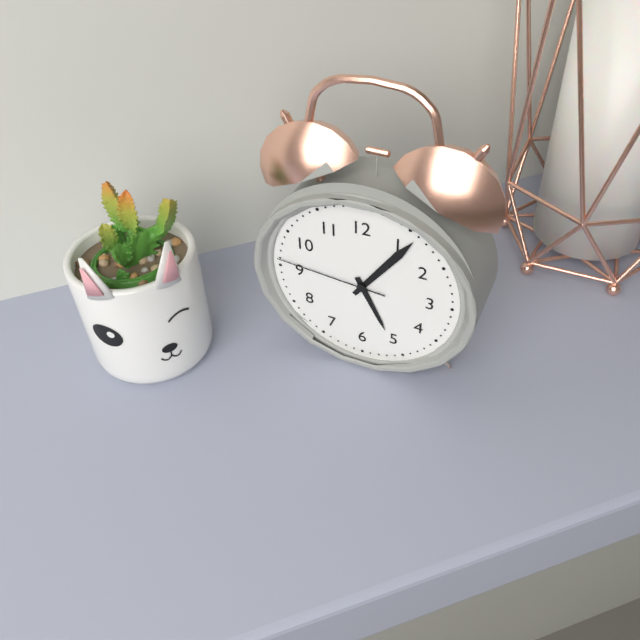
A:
5h06m46s
